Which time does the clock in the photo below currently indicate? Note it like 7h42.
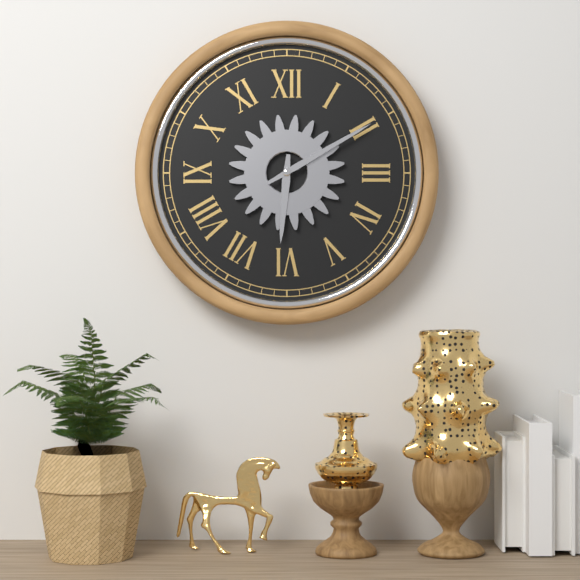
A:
6h10
